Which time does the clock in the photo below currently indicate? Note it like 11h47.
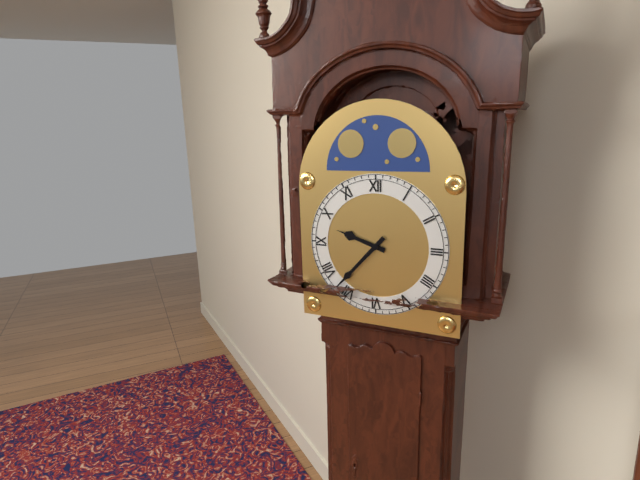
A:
9h37
